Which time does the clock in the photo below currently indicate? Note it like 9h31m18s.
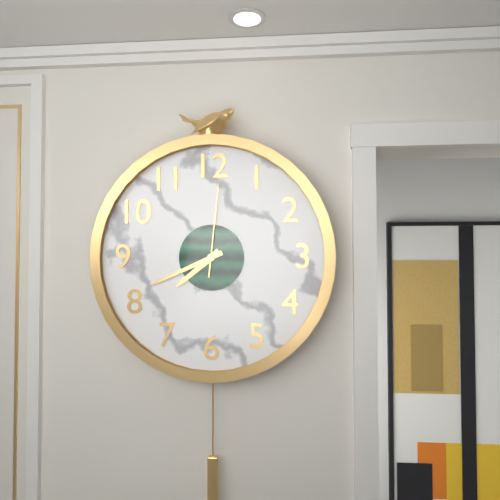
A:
7h41m01s
